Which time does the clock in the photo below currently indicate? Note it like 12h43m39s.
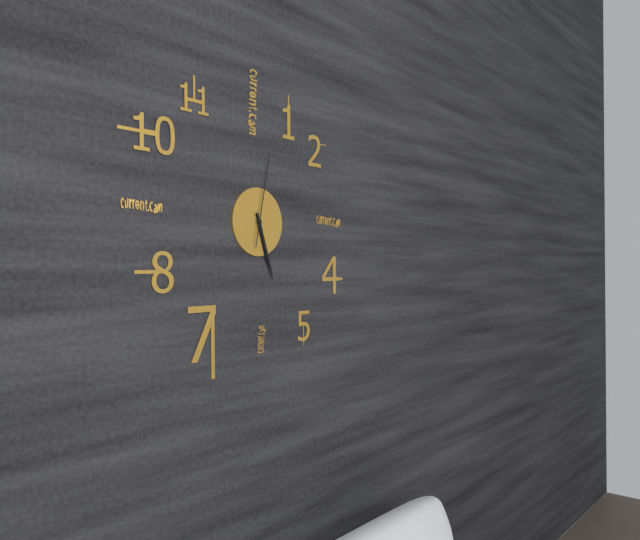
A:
5h27m02s
